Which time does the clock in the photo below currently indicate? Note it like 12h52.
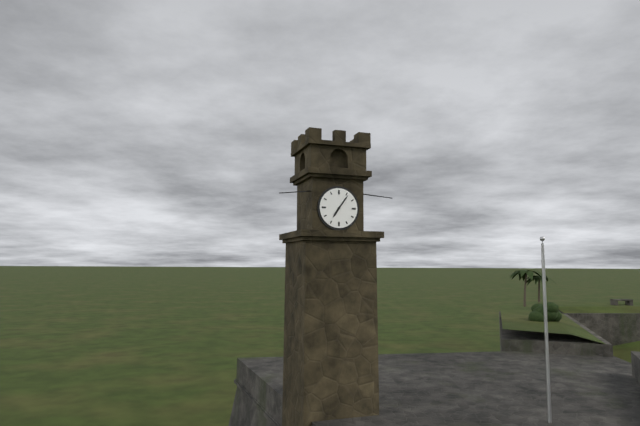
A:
7h06
